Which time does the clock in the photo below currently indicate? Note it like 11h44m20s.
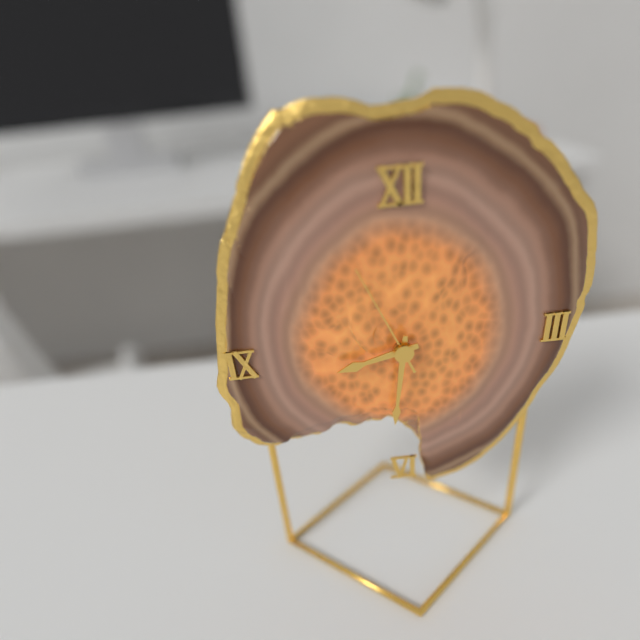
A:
8h31m56s
